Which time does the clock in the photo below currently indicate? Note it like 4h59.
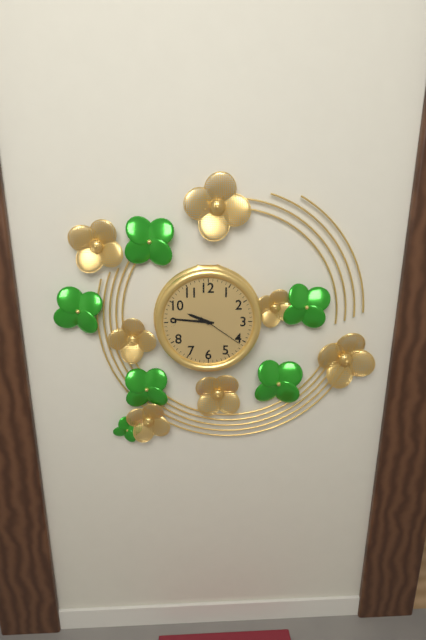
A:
9h46
